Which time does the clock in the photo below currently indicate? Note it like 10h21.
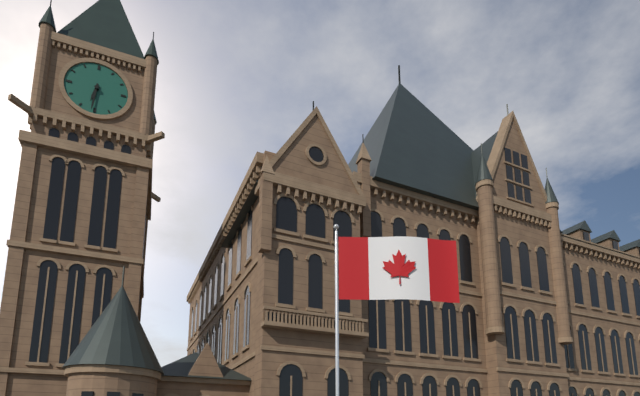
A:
6h31
